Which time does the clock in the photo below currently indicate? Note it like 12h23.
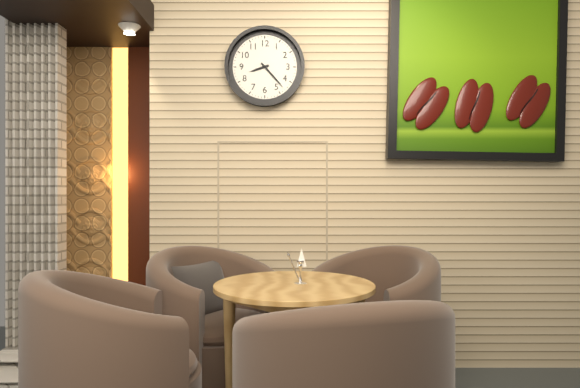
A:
8h23
